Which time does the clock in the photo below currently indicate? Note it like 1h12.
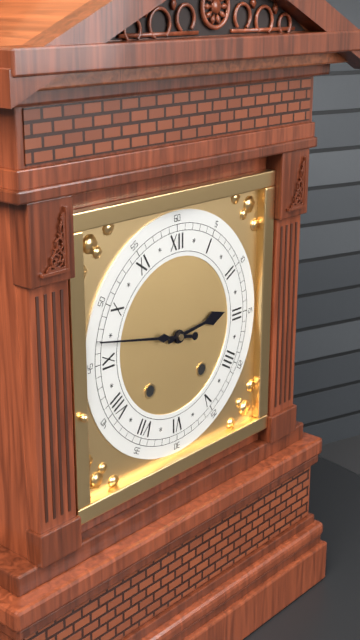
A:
2h47
